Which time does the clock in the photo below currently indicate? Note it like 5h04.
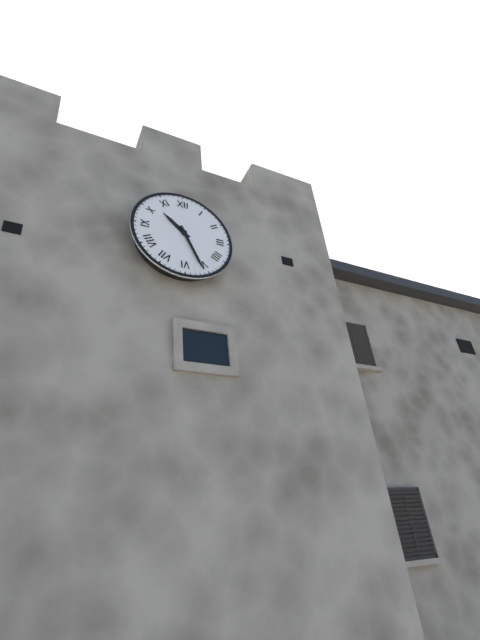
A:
10h26
